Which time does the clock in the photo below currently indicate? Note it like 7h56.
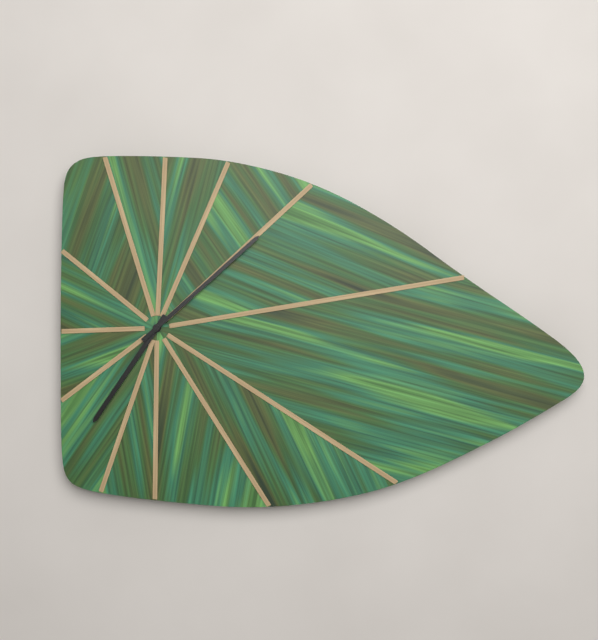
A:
7h08
